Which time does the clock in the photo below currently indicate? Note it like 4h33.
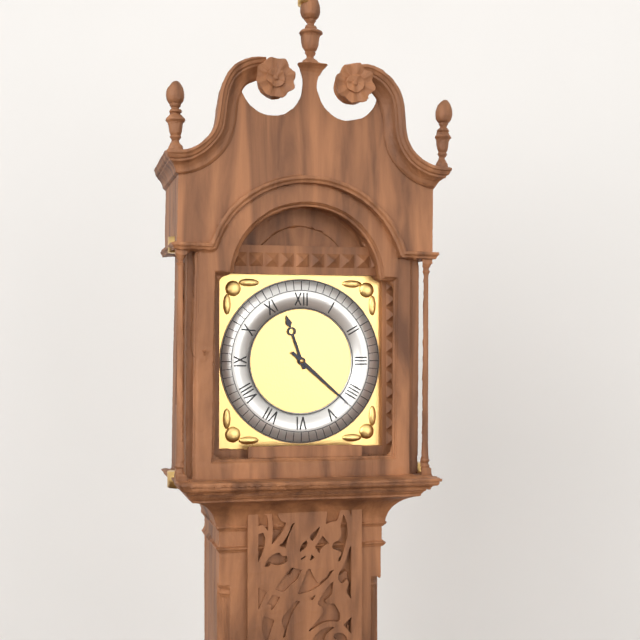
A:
11h22
